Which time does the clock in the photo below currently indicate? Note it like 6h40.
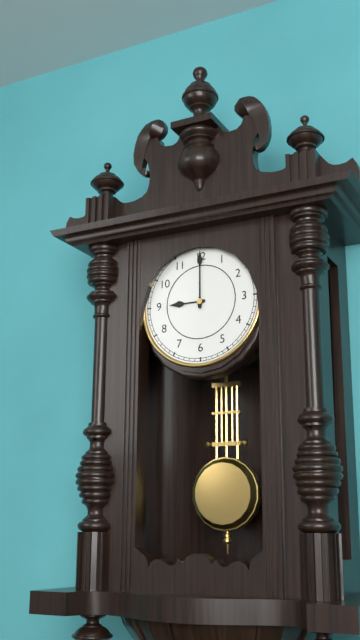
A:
9h00
